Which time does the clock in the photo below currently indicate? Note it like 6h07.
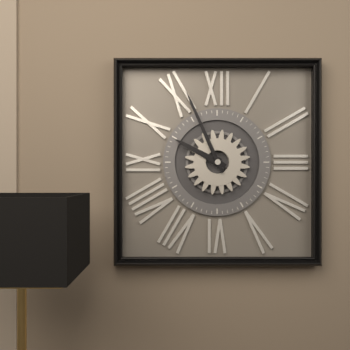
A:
9h56
